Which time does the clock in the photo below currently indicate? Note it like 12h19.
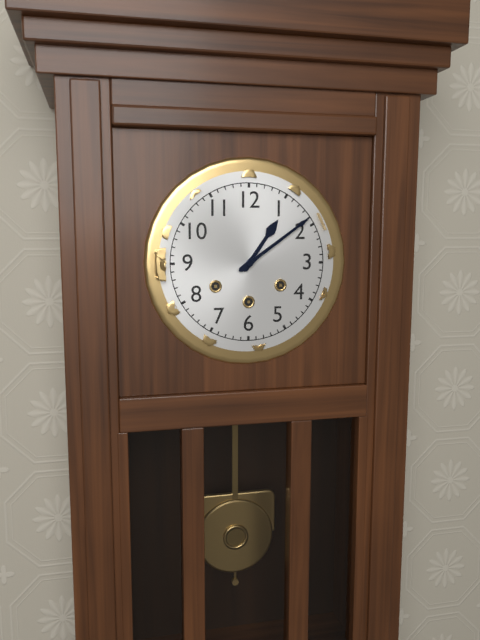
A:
1h09
